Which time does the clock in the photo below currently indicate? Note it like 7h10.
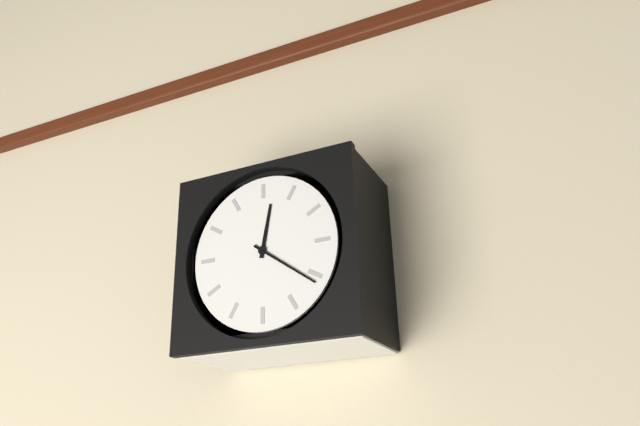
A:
12h21
